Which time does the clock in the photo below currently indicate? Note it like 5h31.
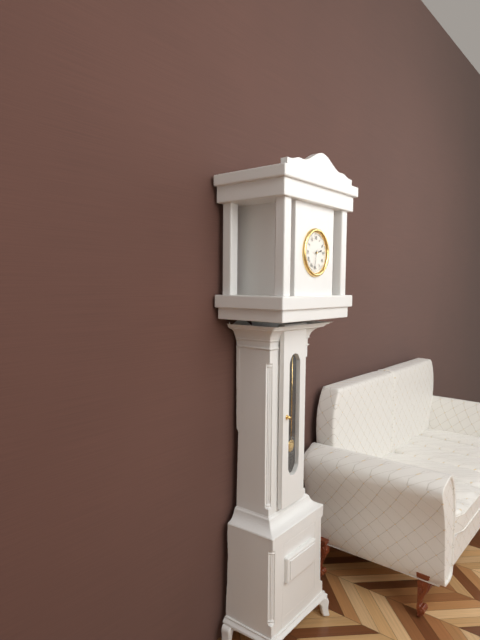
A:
2h32
